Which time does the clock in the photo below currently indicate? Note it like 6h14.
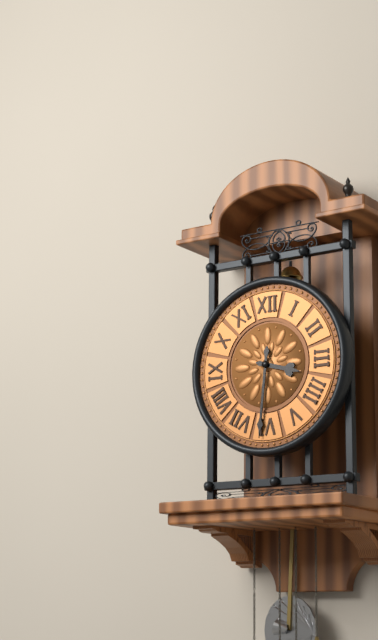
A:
3h31
